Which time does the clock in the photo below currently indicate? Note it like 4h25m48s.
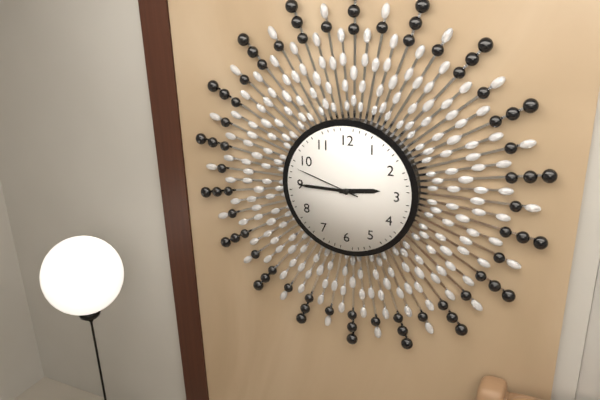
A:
2h45m48s
